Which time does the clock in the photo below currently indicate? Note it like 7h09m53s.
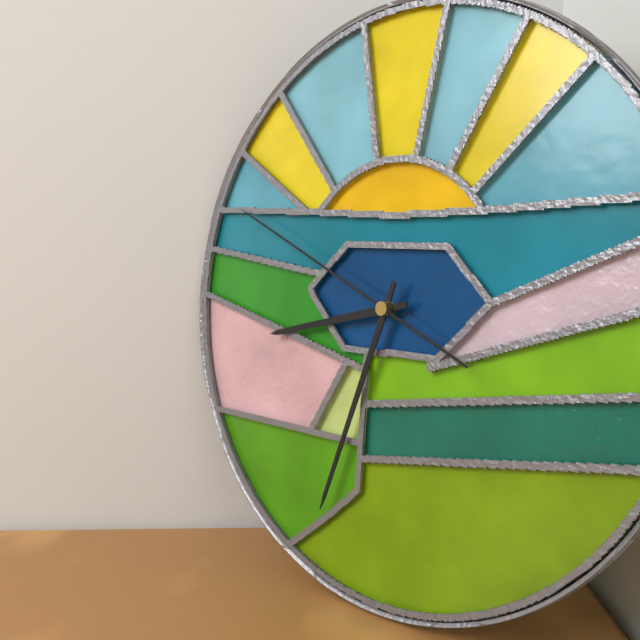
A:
8h33m49s
